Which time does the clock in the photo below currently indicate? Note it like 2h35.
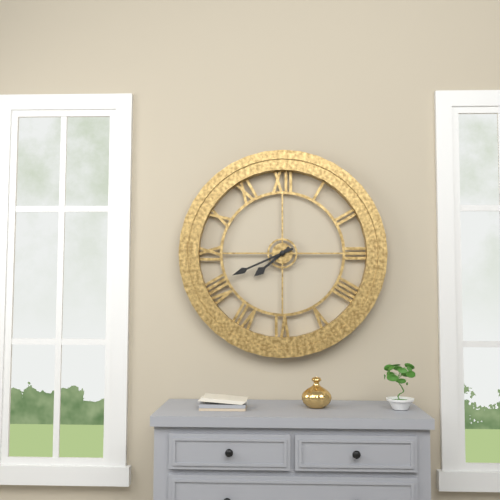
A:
7h41
